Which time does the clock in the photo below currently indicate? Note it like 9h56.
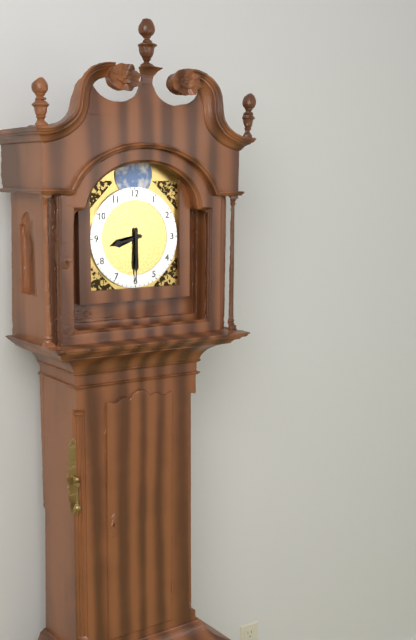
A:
8h30
